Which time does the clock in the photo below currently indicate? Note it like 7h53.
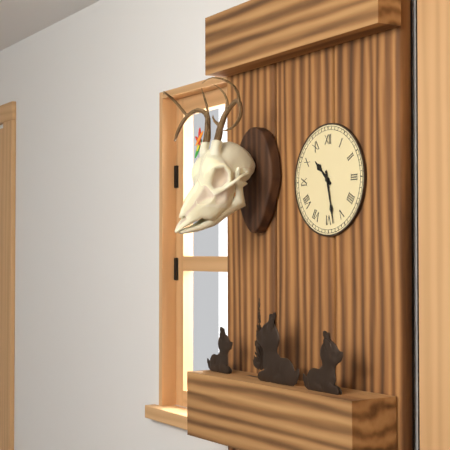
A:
10h28
